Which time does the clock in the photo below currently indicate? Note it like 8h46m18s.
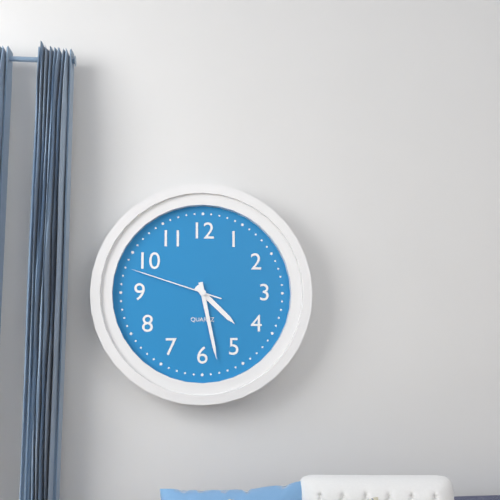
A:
4h28m48s
